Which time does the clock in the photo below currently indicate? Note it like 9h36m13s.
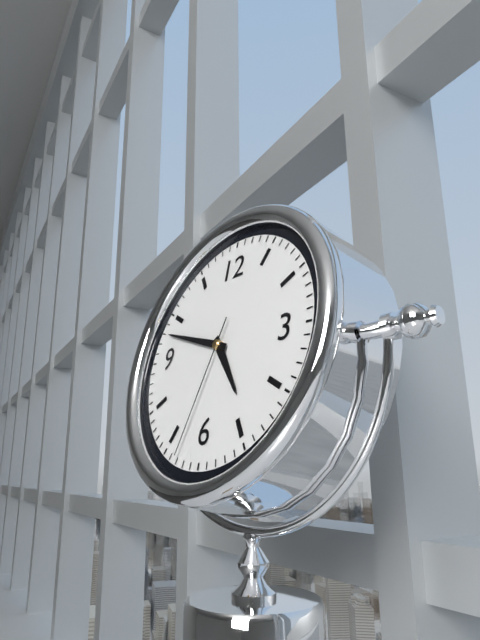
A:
4h48m33s
